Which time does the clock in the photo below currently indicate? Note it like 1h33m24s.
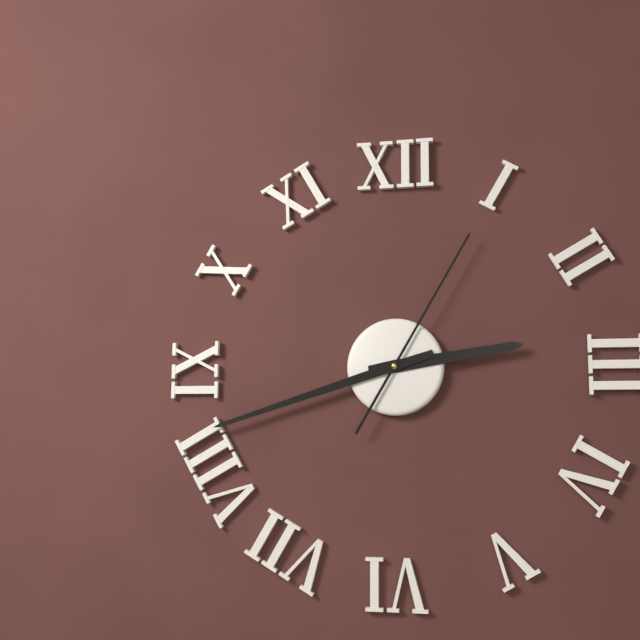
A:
2h42m05s
